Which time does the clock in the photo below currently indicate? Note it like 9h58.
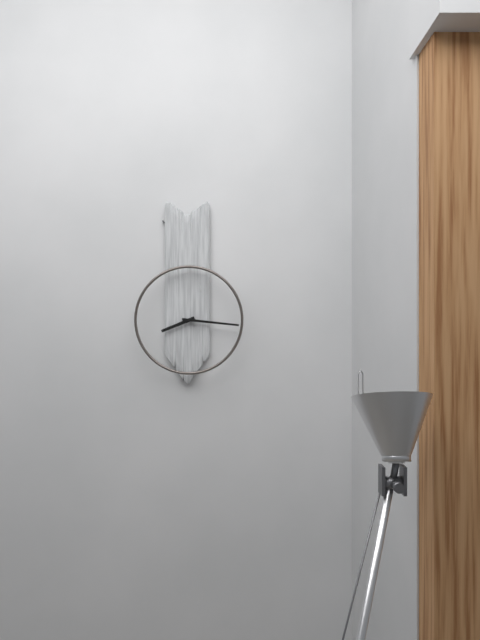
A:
8h16
